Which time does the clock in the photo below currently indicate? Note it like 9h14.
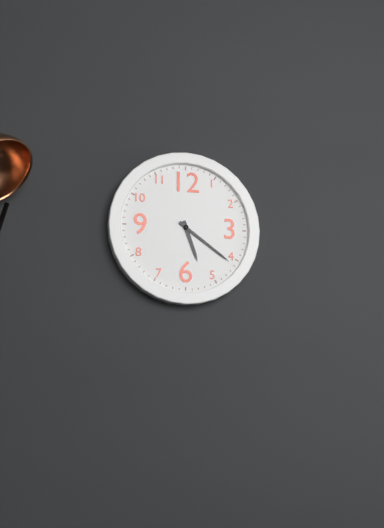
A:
5h21
